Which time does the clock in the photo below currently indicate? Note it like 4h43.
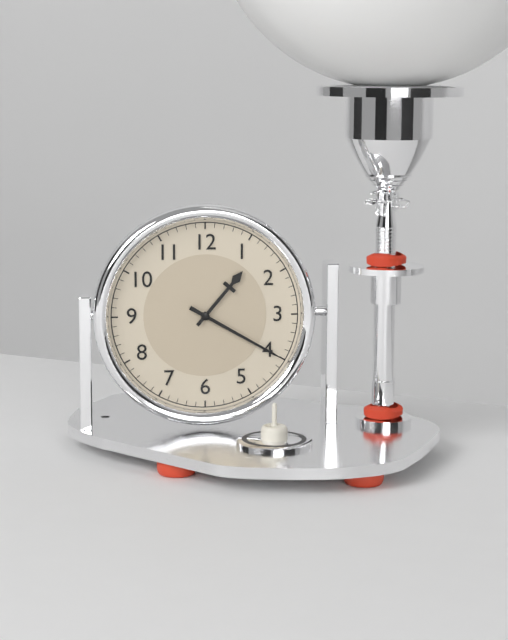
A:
1h20
